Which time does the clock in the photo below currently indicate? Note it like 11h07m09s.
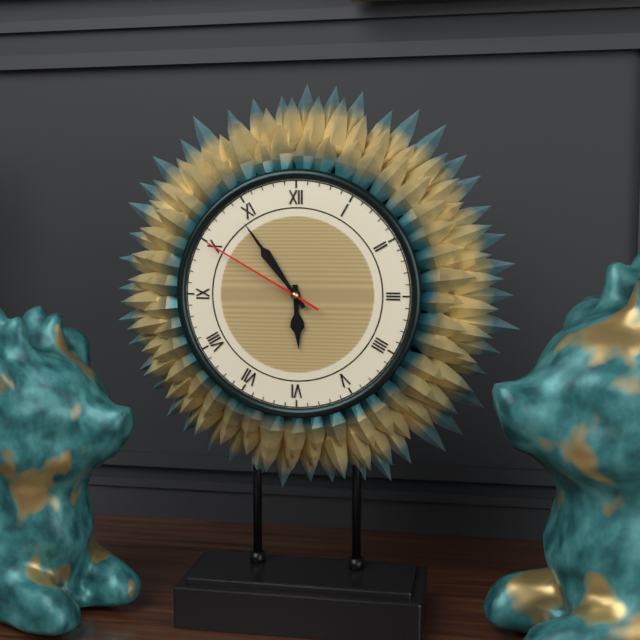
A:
5h54m50s
